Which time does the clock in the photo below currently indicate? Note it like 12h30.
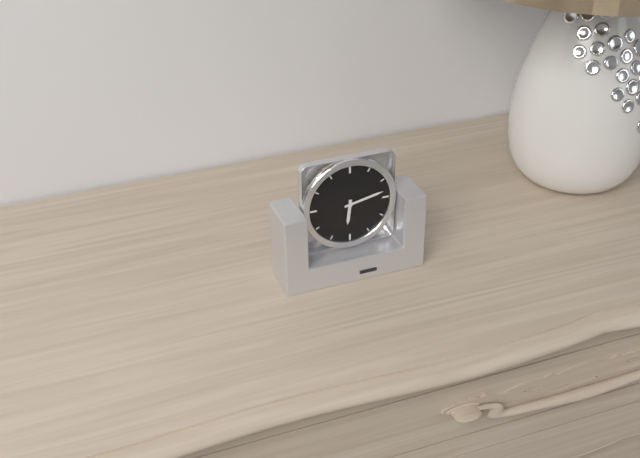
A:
6h13
